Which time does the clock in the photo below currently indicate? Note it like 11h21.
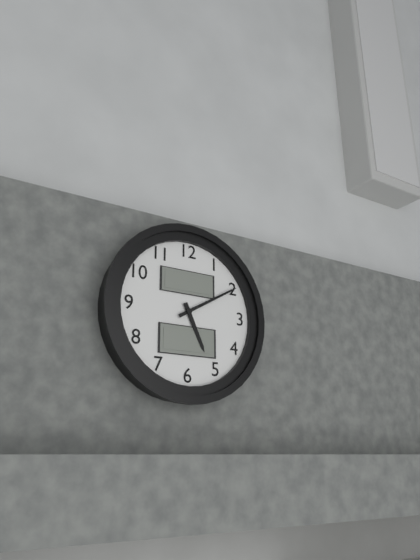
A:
5h10
